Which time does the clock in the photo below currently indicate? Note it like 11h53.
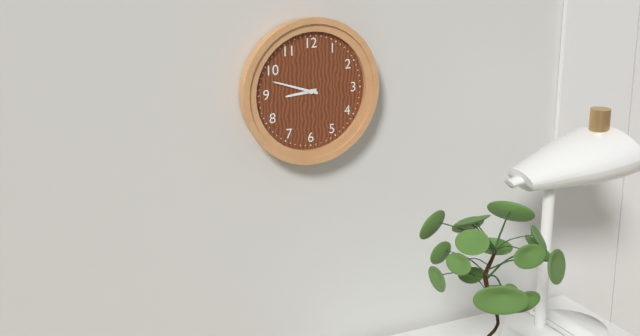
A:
8h48
